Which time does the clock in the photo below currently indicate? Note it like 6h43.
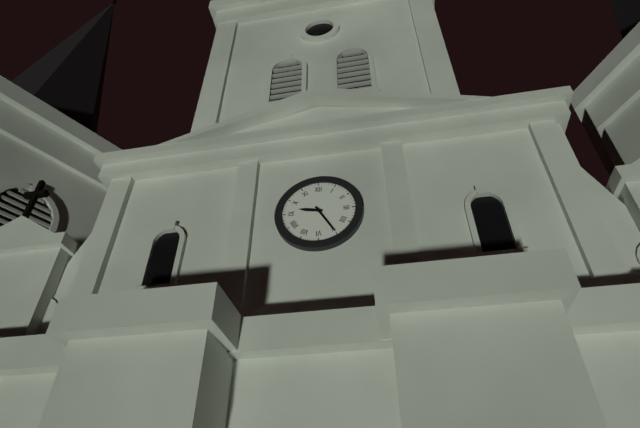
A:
9h25
